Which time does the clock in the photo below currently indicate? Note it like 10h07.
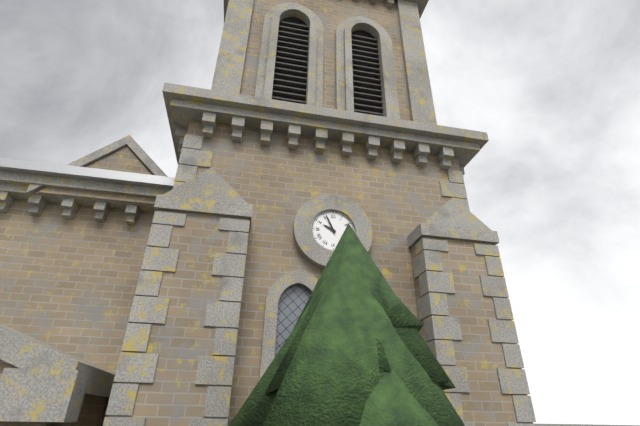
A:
9h56
